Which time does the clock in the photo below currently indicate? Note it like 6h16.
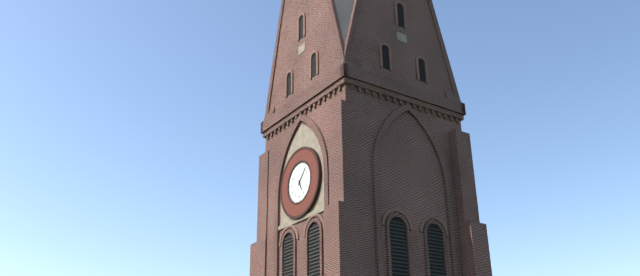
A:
5h07
